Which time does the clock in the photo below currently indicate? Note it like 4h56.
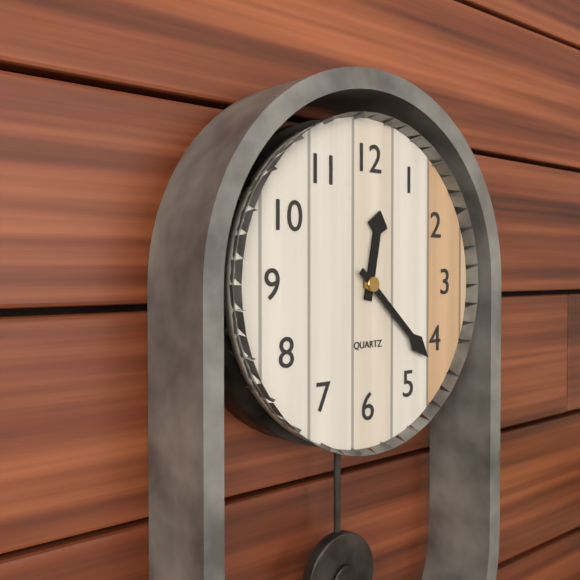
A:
12h22
